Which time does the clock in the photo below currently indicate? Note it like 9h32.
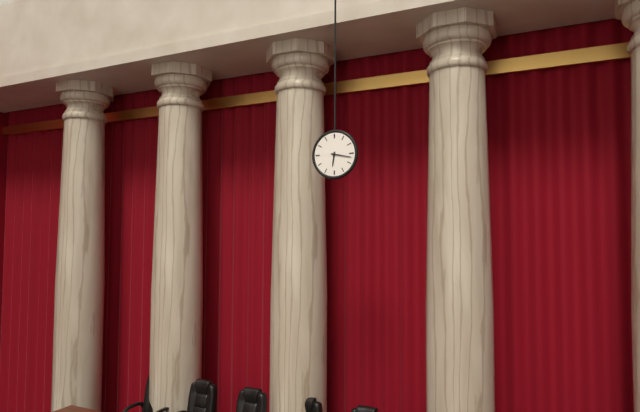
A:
6h17
